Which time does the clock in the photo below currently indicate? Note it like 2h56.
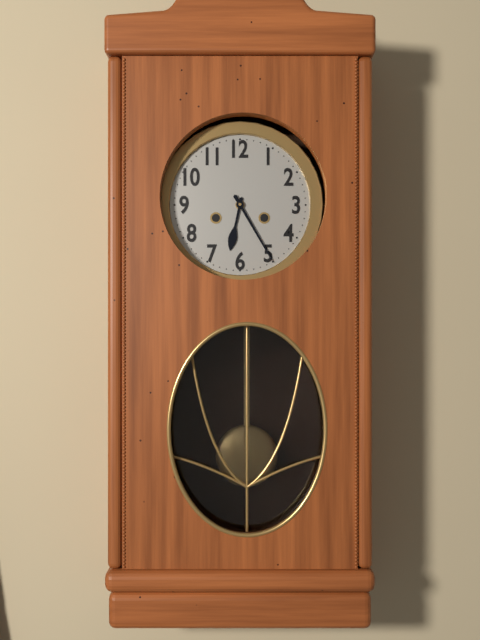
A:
6h25
